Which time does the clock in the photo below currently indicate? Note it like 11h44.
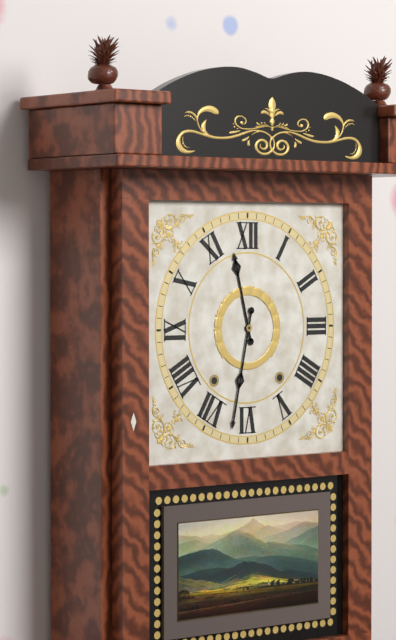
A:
11h32
